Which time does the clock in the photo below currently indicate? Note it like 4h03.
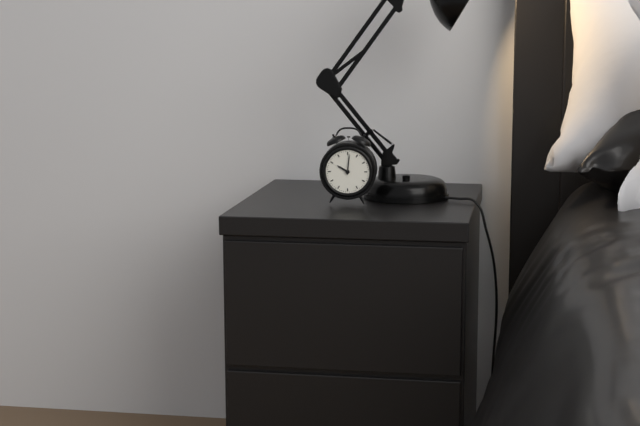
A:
10h01
